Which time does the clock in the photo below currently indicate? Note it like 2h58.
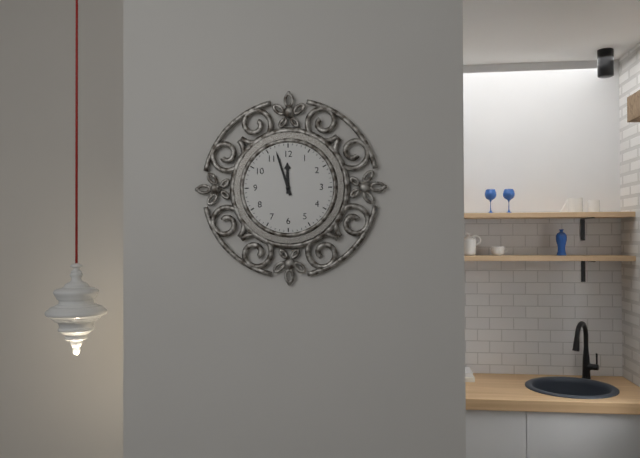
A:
11h57
